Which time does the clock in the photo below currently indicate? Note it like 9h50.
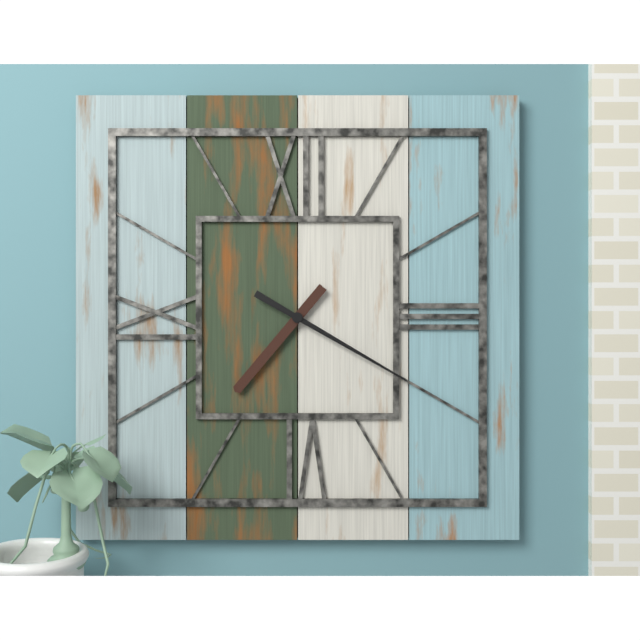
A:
7h20
